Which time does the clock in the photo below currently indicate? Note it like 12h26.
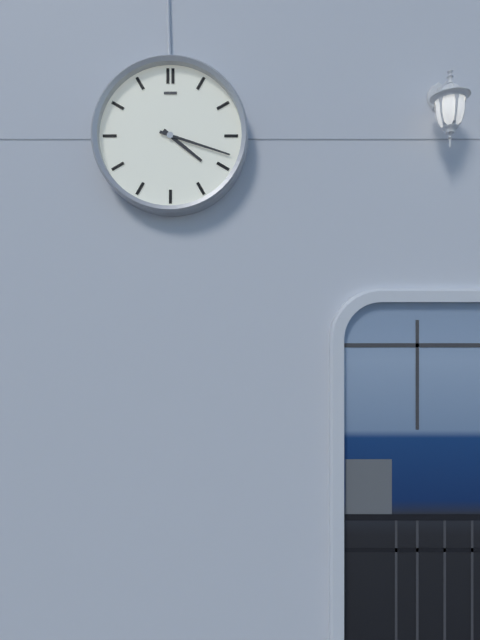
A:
4h18
